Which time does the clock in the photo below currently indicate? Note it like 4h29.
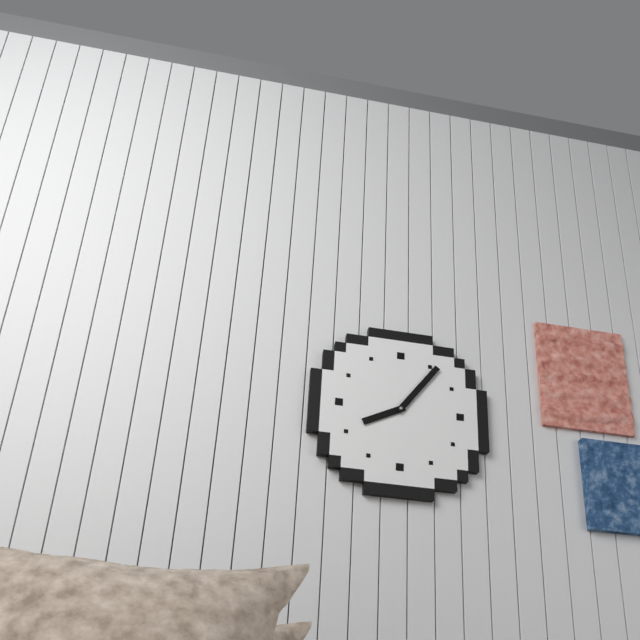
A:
8h06
